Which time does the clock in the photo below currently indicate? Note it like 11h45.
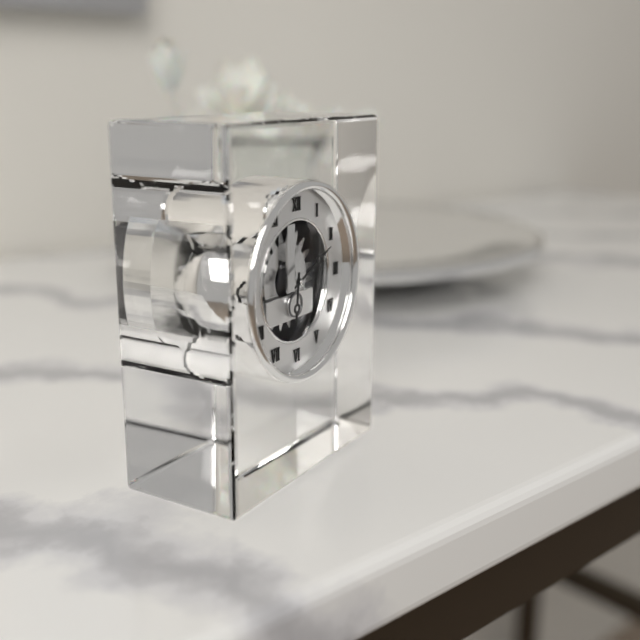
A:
6h11
